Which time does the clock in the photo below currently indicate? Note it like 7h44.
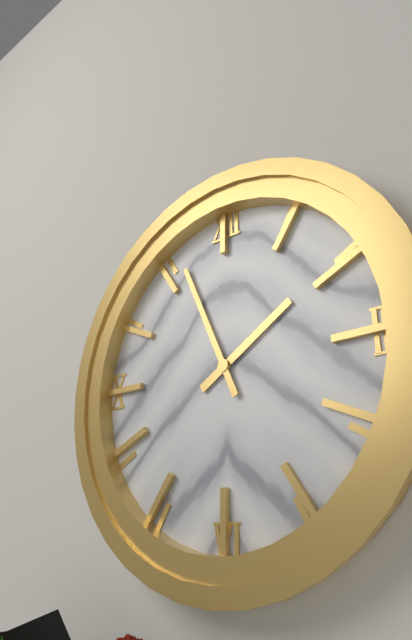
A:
1h56
